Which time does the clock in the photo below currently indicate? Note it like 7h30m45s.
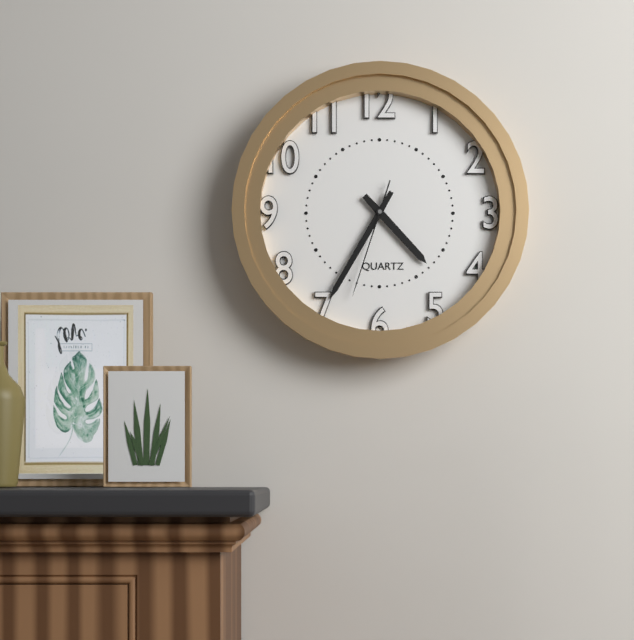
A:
4h35m33s
